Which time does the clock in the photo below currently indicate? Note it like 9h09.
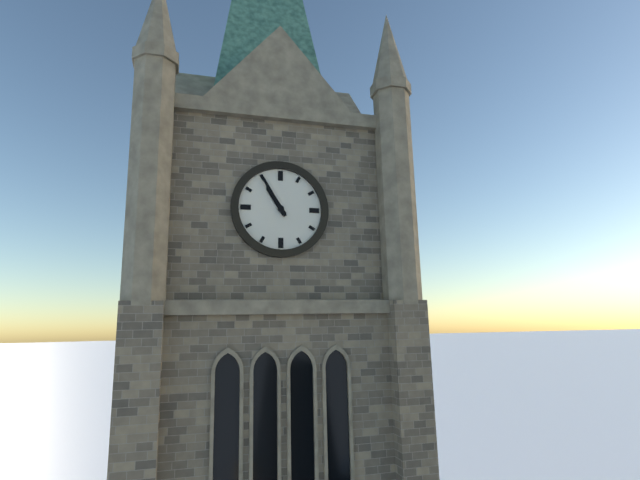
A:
10h55
